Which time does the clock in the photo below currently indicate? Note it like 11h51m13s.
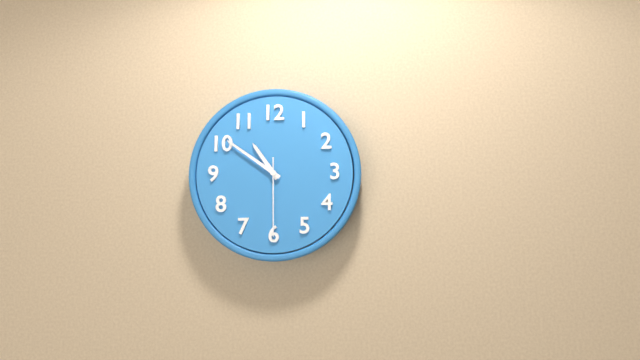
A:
10h51m30s
